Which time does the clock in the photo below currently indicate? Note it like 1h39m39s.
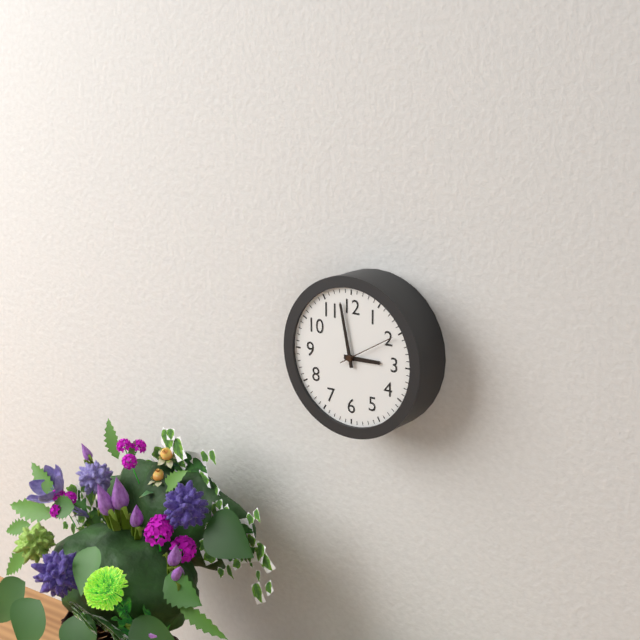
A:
2h58m10s
